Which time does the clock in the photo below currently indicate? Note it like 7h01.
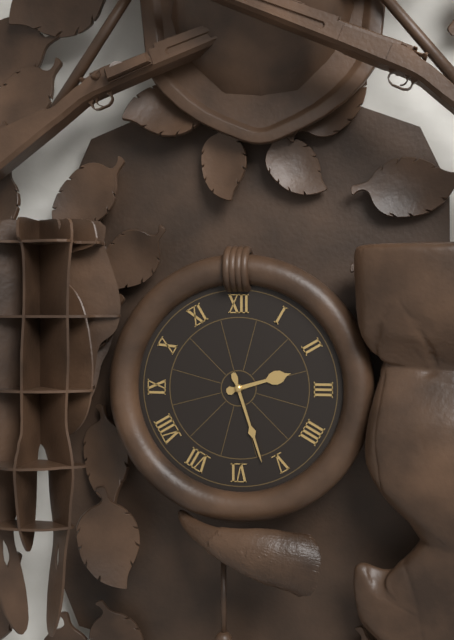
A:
2h27
